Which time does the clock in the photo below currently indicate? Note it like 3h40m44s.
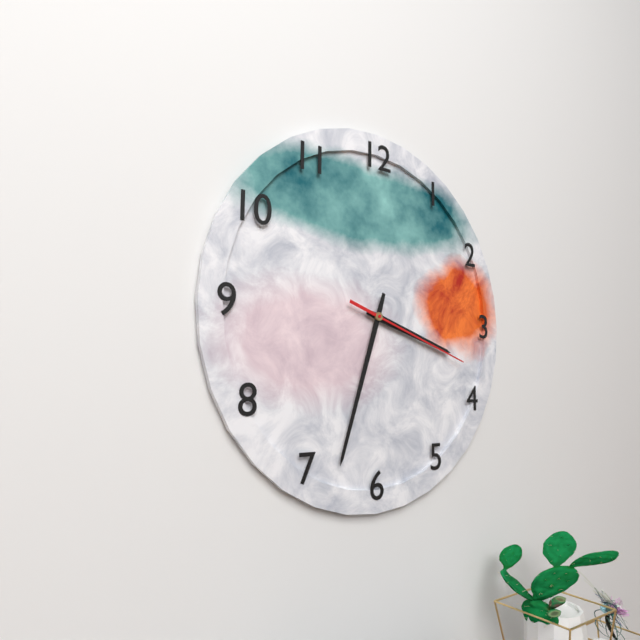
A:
3h33m18s
